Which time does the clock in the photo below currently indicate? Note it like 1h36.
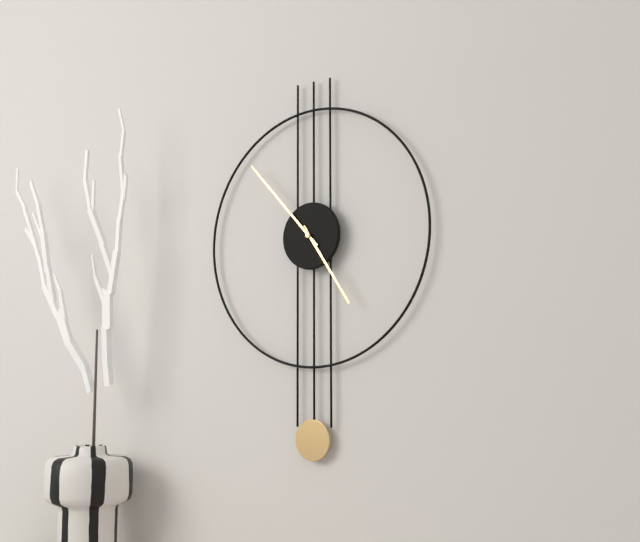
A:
4h53
